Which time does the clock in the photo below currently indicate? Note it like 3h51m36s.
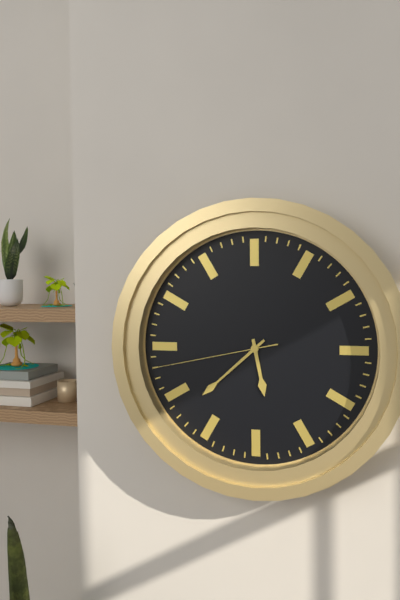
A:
5h38m43s
